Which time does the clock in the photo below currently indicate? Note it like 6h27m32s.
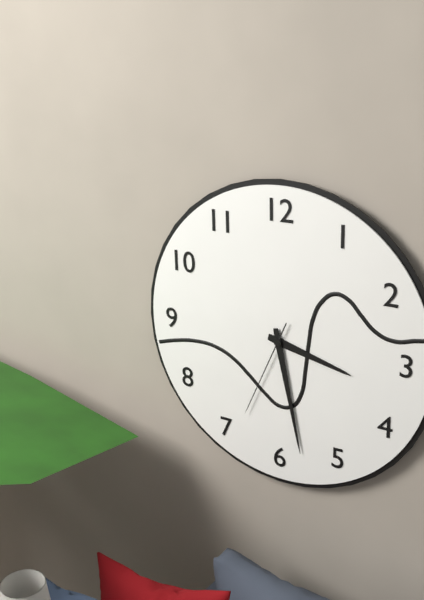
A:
3h28m34s
